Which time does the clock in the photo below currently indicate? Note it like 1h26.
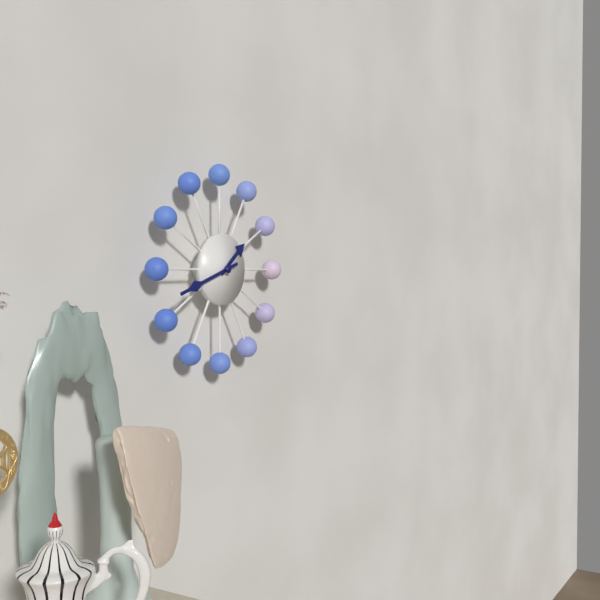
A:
1h42
